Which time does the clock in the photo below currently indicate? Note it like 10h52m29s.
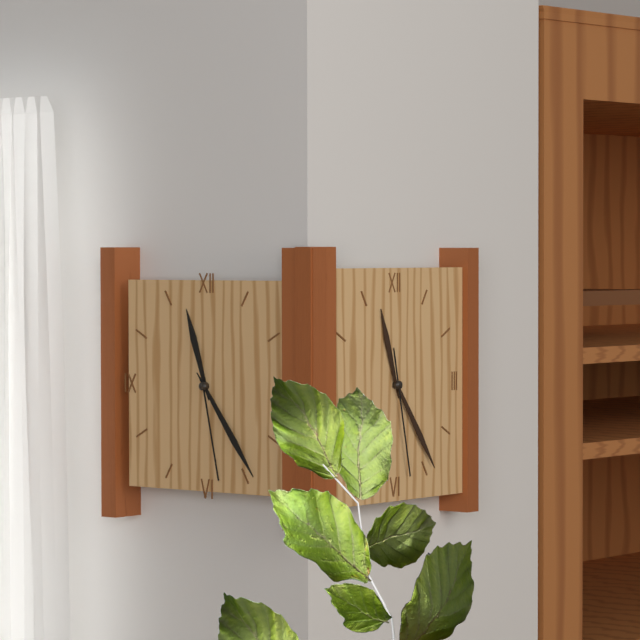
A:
11h24m28s
